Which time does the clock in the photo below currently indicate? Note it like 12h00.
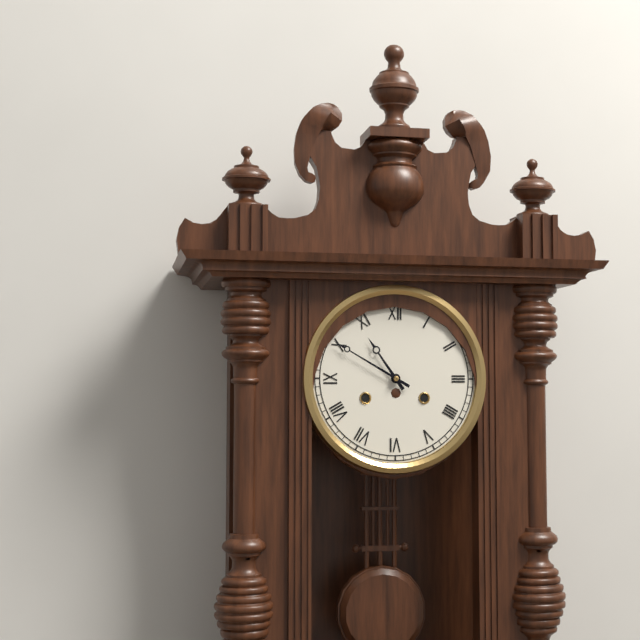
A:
10h50
